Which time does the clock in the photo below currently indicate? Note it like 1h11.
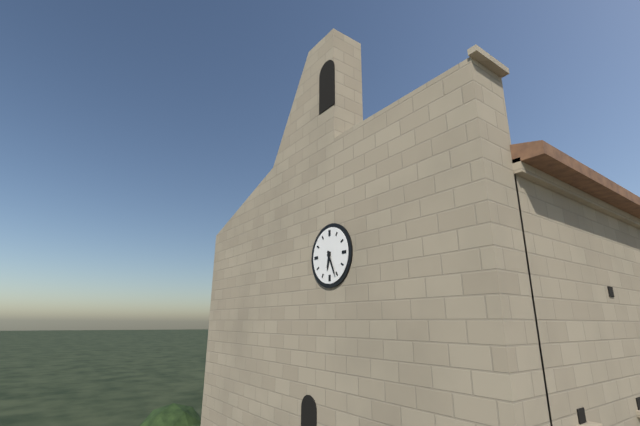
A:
6h26
